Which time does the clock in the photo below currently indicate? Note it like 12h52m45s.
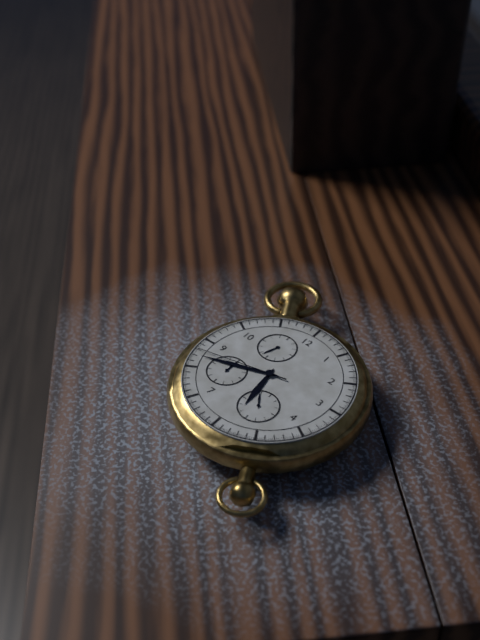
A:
5h42m43s
